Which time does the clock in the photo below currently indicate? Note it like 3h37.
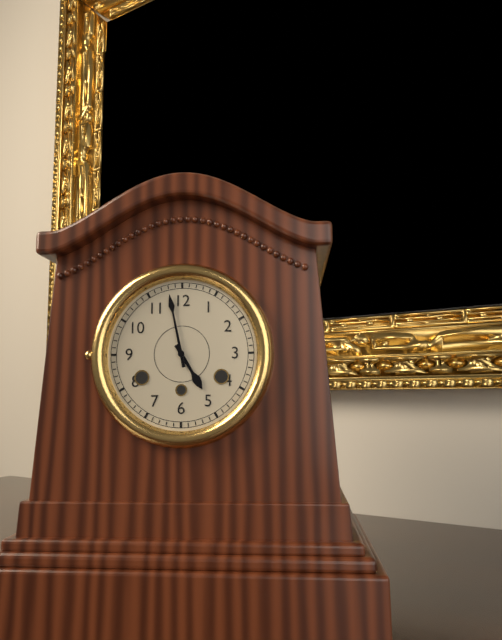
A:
4h58
